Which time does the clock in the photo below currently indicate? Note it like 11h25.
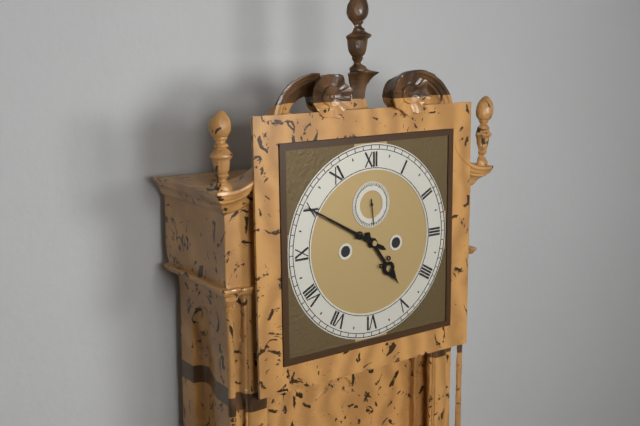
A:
4h50
